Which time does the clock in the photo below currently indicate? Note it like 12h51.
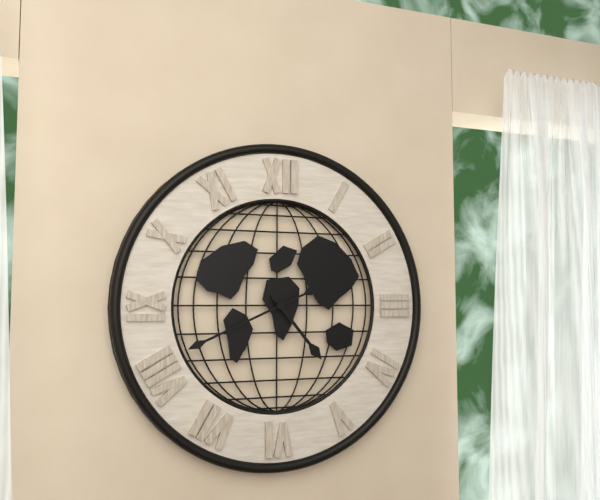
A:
4h41
